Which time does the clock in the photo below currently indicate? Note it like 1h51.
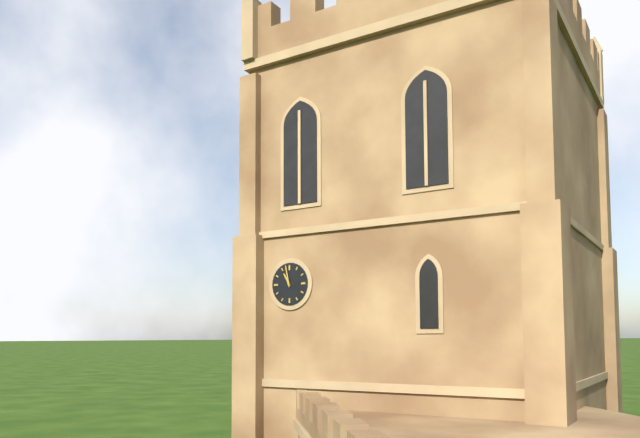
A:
10h58
